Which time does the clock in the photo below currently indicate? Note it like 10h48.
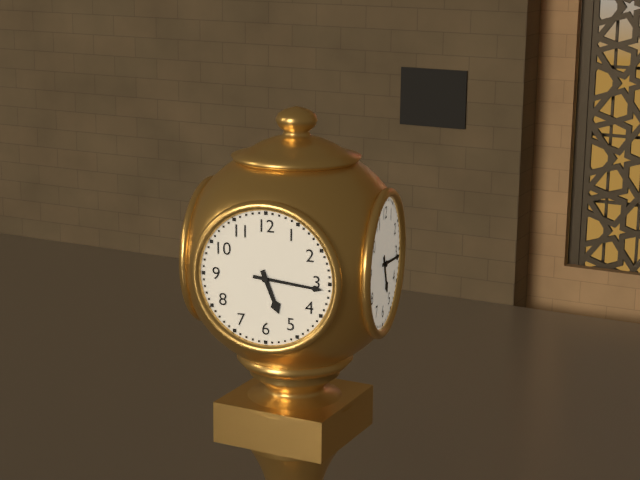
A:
5h16
